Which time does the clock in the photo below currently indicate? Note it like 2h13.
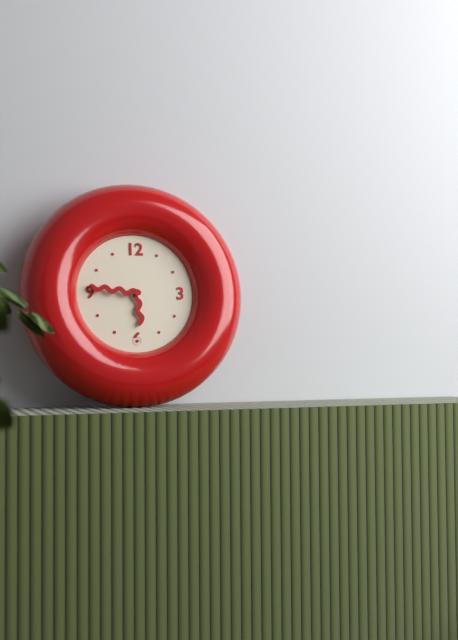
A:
5h46
